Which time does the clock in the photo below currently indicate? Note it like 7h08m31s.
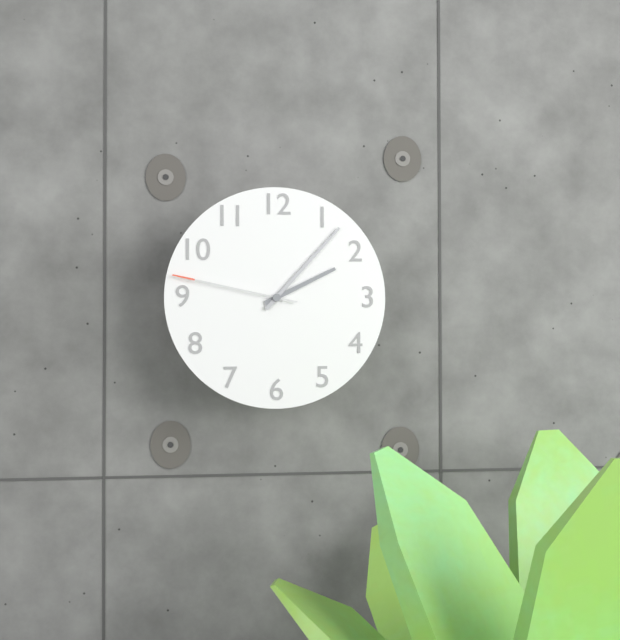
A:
2h07m47s
